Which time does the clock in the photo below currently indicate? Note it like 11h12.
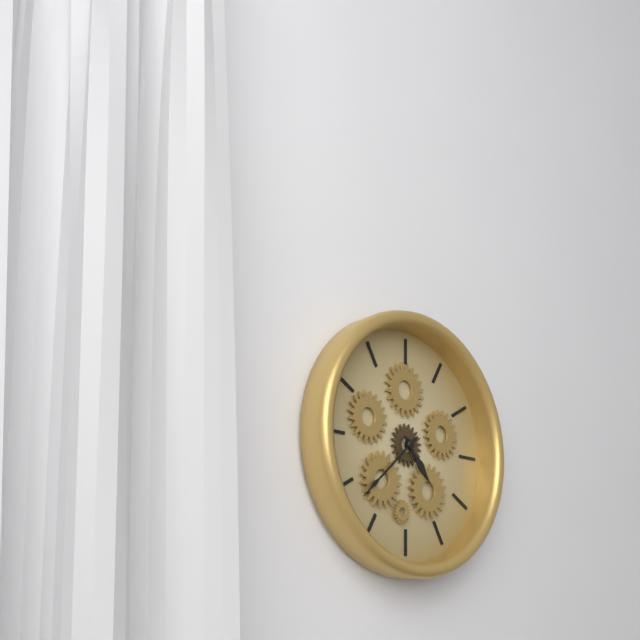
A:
4h38
